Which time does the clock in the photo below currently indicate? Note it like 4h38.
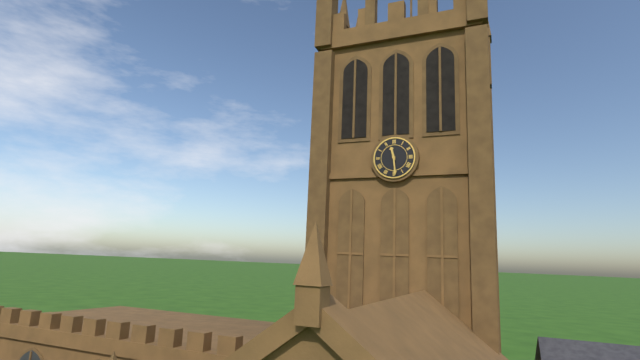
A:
11h29
